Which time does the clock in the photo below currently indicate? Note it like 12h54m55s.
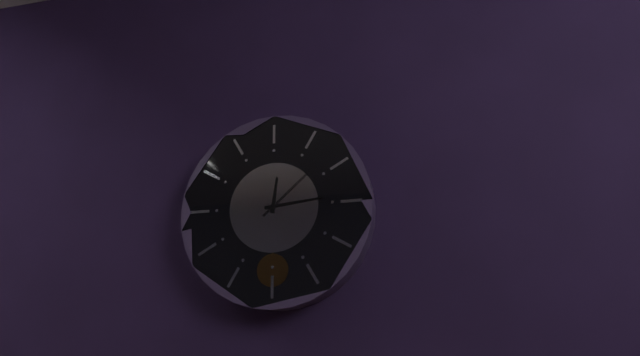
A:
12h14m08s
